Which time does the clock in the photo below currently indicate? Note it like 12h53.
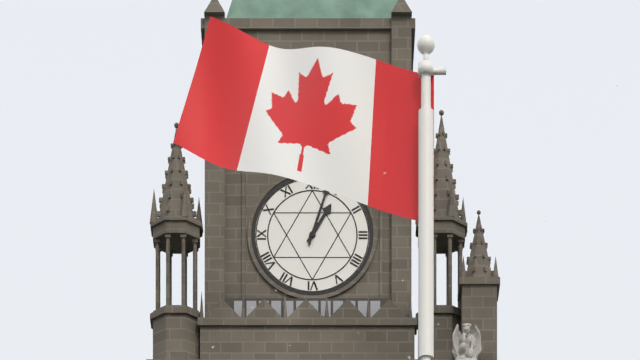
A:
1h03
